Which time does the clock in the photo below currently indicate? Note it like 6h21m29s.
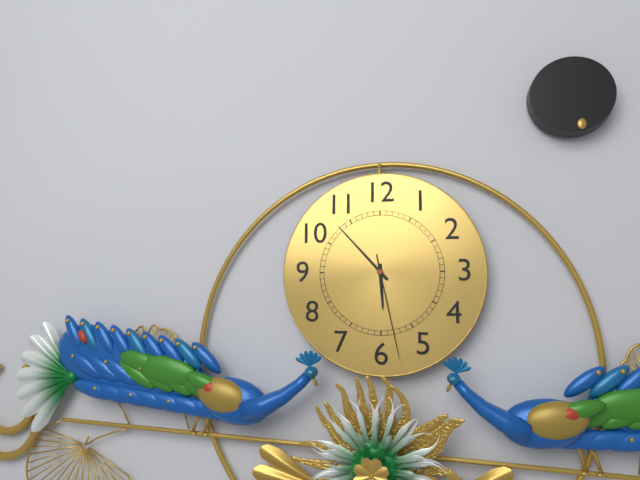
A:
5h53m28s
